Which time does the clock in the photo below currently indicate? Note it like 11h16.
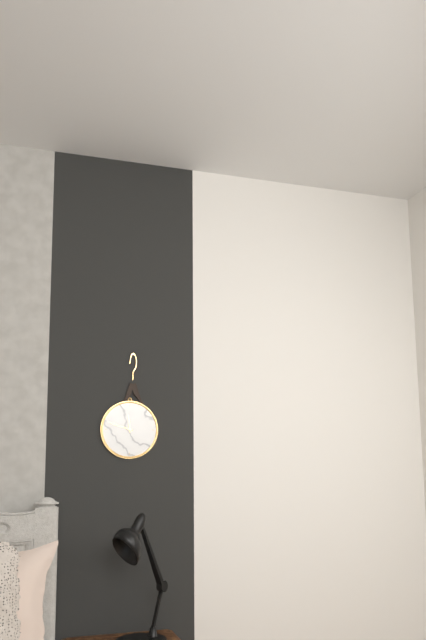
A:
11h48
